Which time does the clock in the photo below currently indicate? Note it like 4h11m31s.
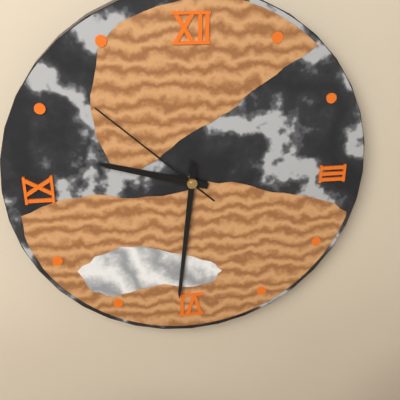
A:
9h31m52s
